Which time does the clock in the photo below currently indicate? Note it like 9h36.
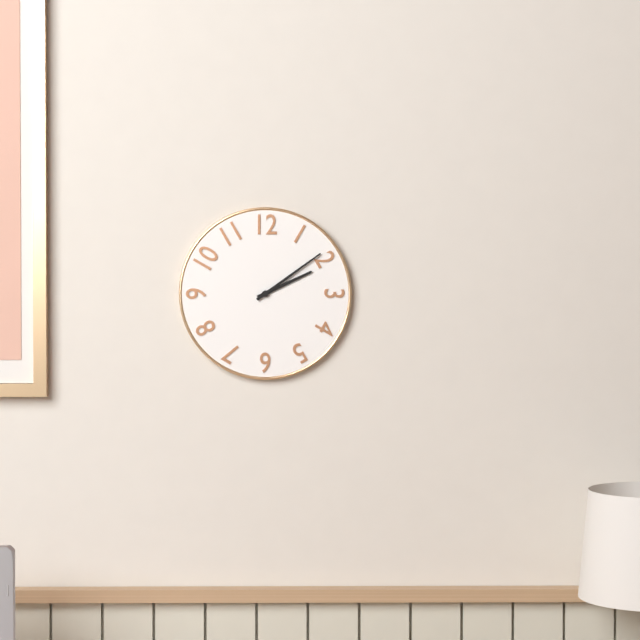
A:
2h09
